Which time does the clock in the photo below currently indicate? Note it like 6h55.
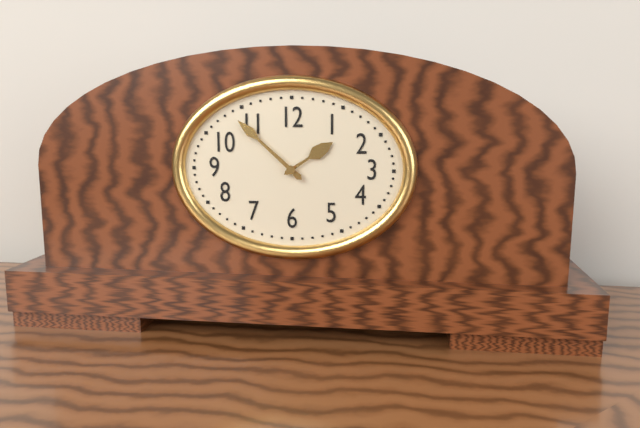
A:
1h52
